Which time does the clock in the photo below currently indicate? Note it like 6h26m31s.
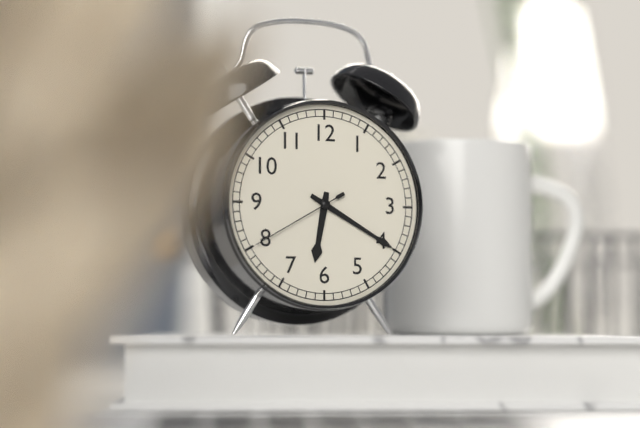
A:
6h20m40s
